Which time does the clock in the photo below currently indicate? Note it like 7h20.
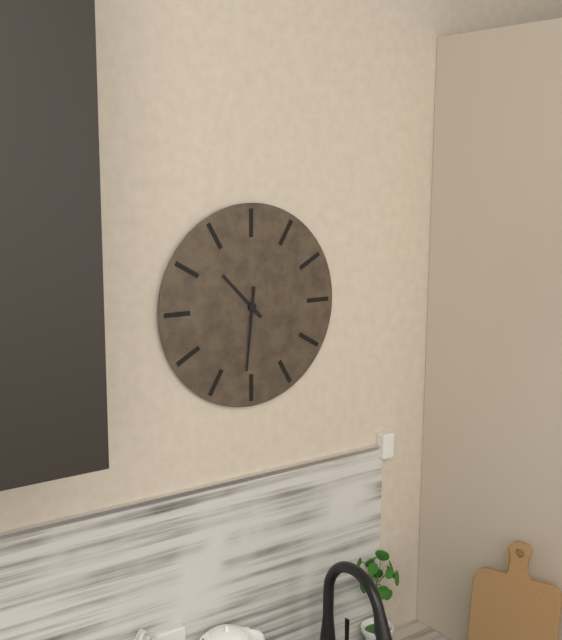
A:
10h31
